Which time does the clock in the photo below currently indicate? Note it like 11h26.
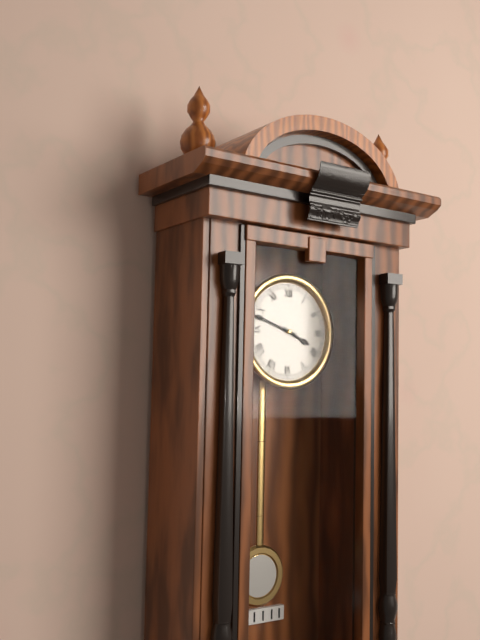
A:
3h48
